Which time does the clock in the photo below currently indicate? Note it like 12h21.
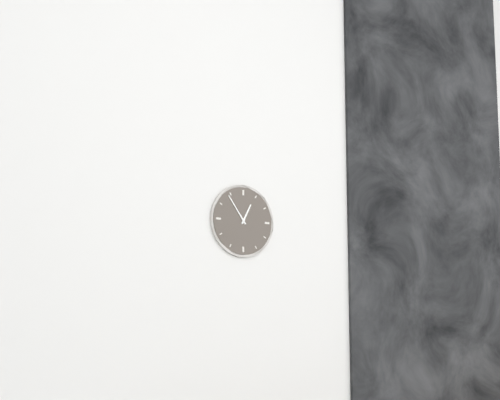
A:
12h54
